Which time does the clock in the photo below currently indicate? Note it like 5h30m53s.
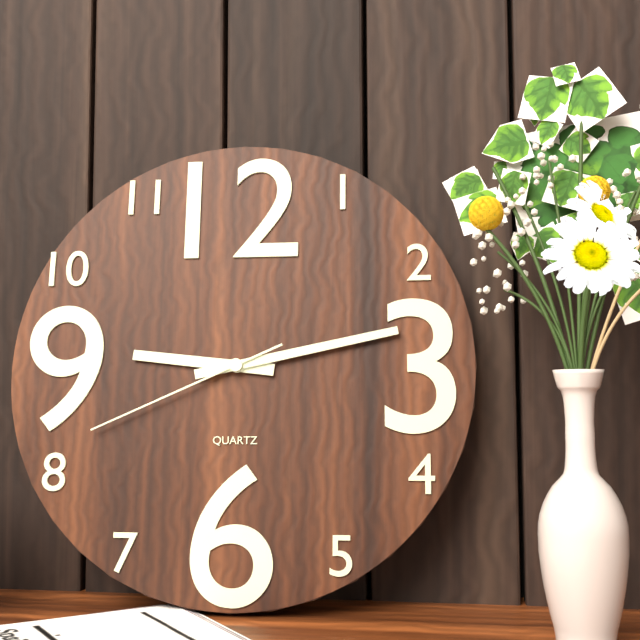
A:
9h13m41s
